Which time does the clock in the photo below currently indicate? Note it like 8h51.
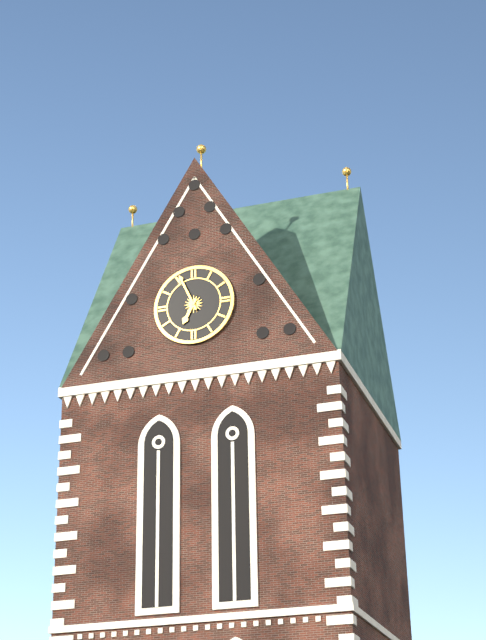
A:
6h56
